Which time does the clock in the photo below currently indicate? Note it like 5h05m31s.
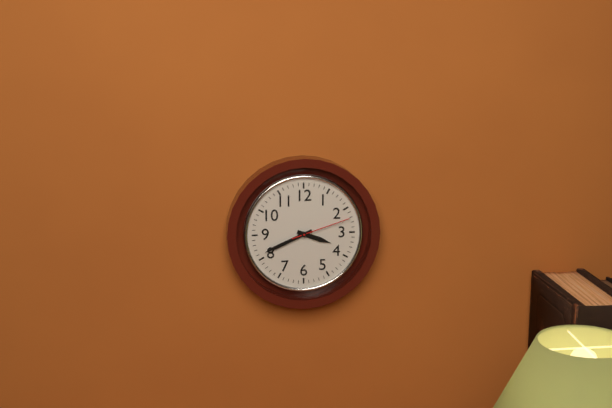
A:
3h41m12s
